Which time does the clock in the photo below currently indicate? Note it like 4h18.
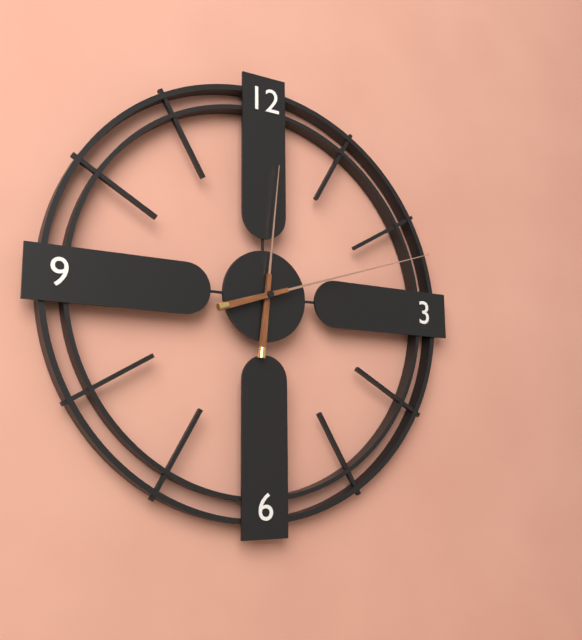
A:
12h12
